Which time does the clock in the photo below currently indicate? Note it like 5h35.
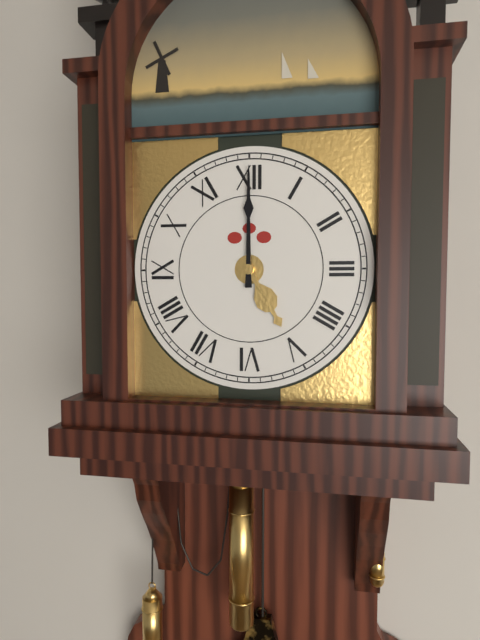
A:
5h00
